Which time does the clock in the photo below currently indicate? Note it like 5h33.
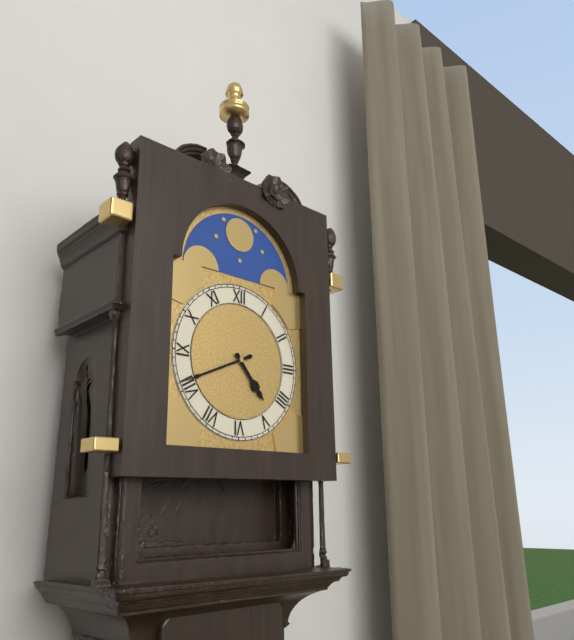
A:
4h41
